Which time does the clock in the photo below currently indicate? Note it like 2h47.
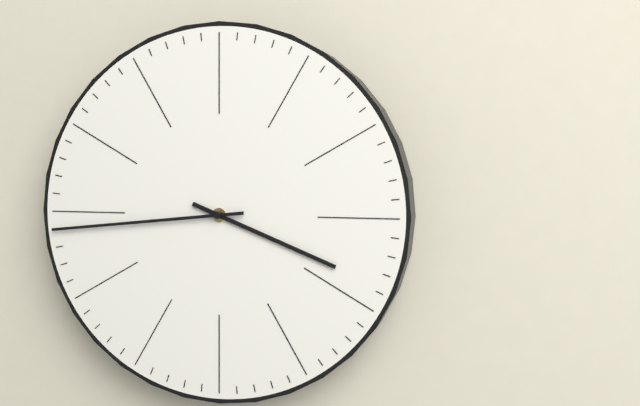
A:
3h44
